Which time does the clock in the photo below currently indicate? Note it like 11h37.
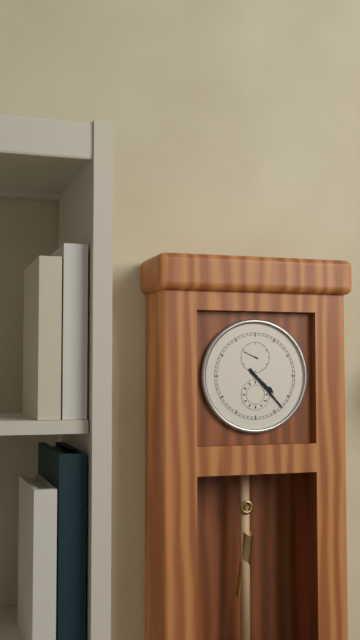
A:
4h23
